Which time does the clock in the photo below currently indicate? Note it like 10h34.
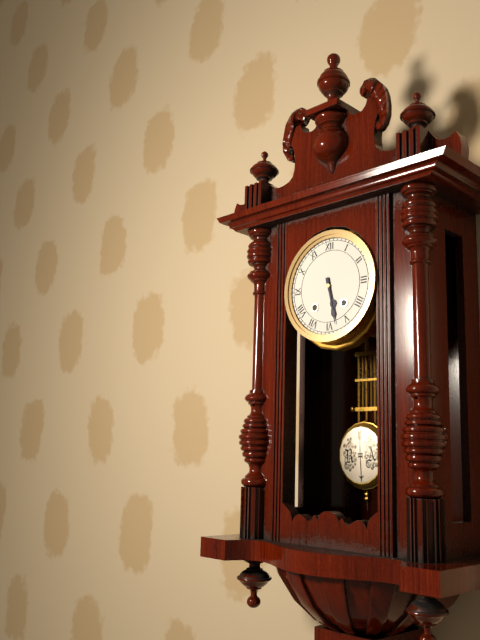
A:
5h28
